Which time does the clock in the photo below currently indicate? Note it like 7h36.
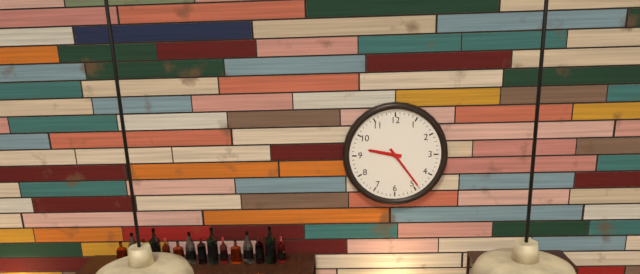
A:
9h24
